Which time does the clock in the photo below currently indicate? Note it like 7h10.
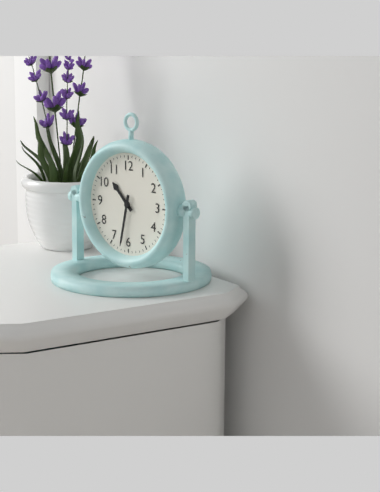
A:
10h32
